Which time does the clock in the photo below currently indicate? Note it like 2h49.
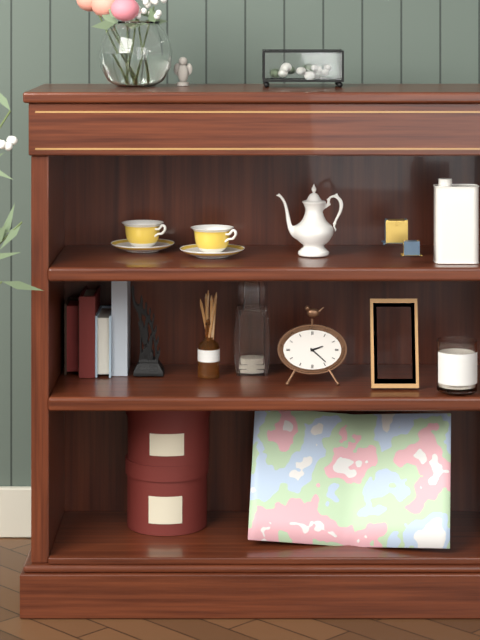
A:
2h22
